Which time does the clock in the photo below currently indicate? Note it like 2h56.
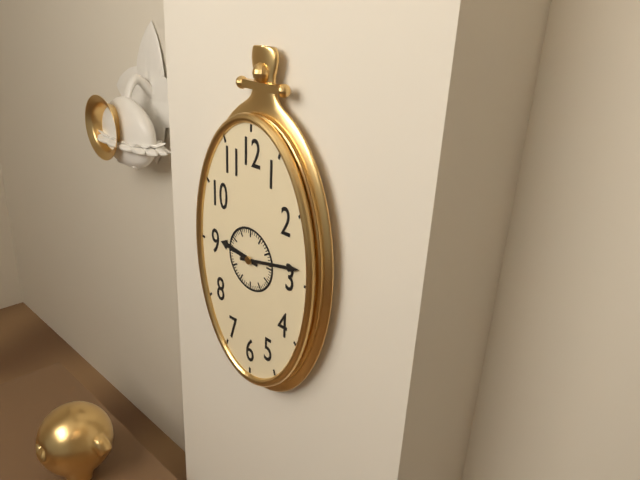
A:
9h13
